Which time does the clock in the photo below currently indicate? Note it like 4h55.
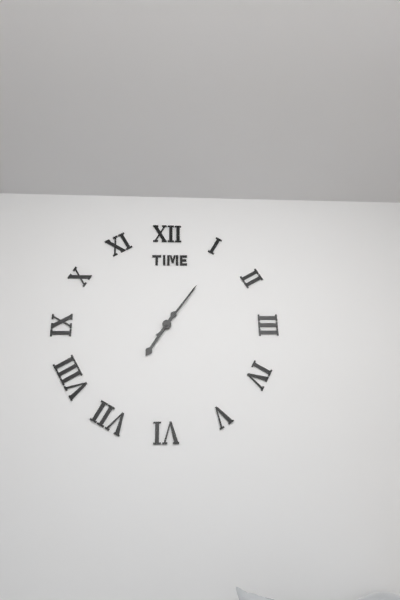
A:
7h06
